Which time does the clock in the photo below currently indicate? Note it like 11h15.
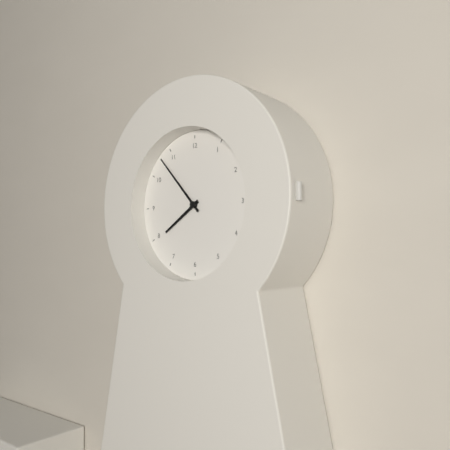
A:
7h53
